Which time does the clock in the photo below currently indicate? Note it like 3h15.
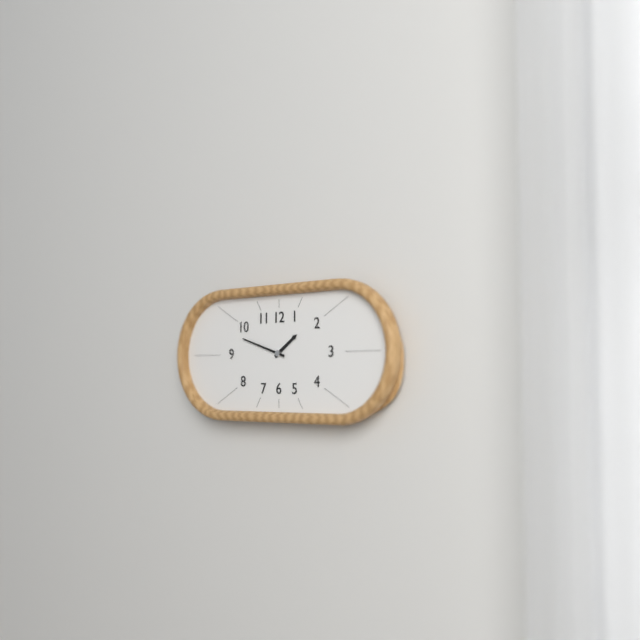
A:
1h48
